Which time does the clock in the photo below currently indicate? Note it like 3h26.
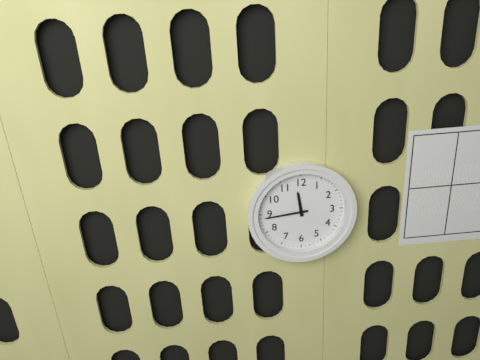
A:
11h44
